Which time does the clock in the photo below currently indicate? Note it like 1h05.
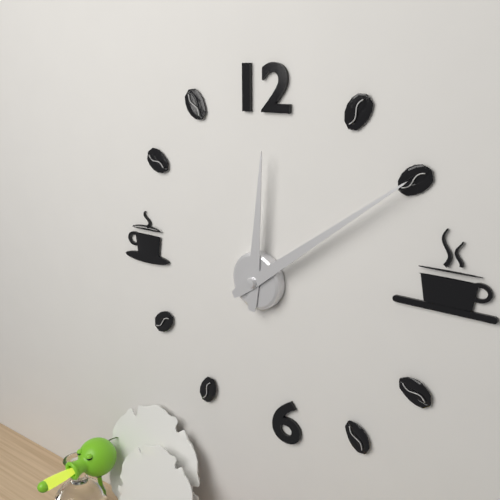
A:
12h09
